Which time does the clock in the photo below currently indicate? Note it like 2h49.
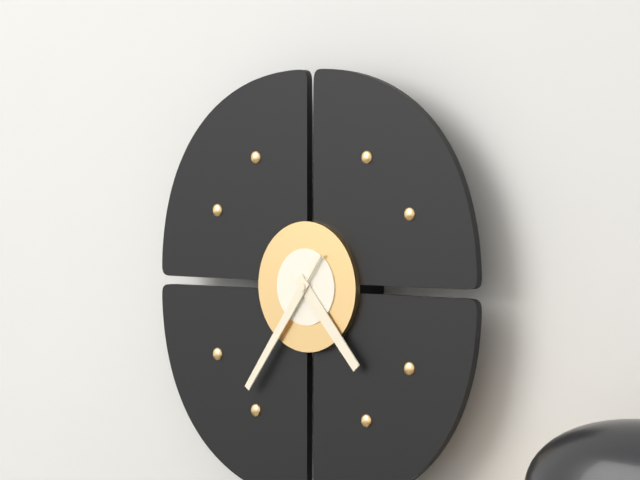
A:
4h36
